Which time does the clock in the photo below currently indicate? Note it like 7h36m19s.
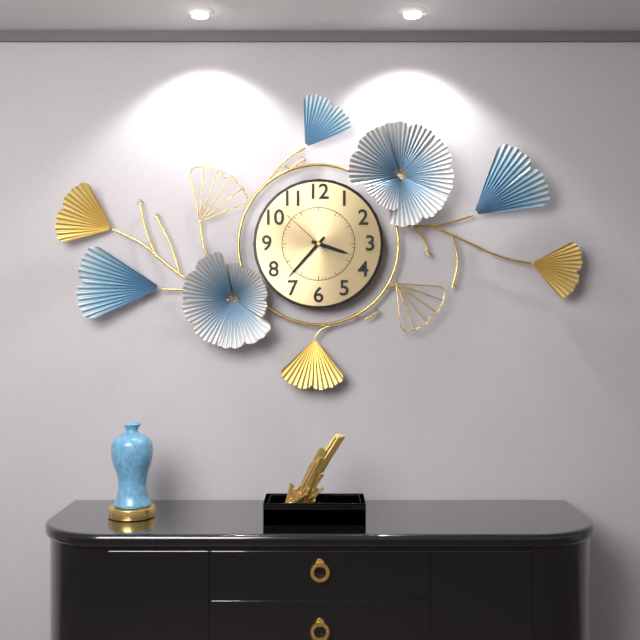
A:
3h37m52s
